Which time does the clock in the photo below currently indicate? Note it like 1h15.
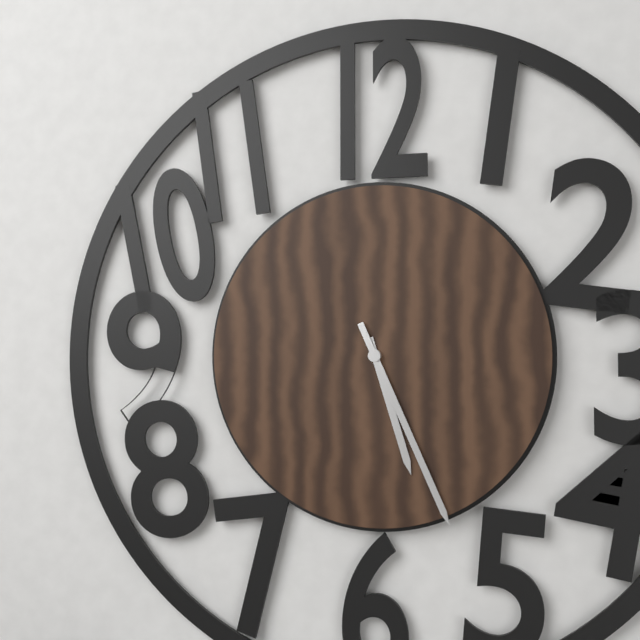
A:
5h26
